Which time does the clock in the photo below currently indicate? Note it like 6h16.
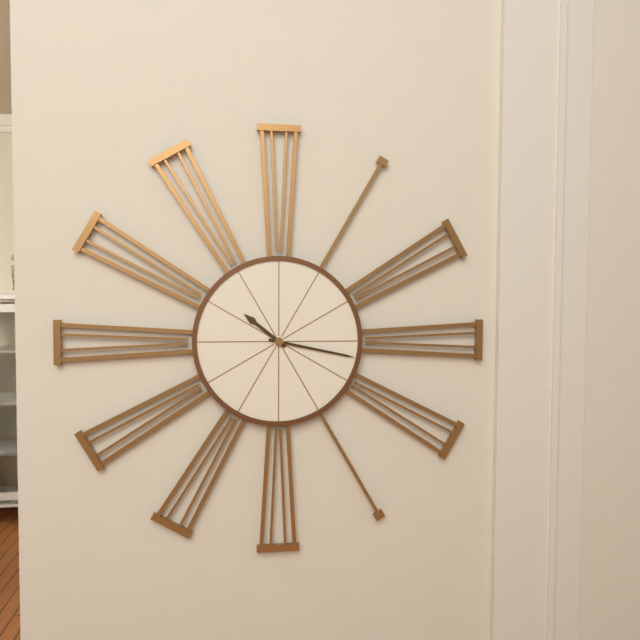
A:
10h17
